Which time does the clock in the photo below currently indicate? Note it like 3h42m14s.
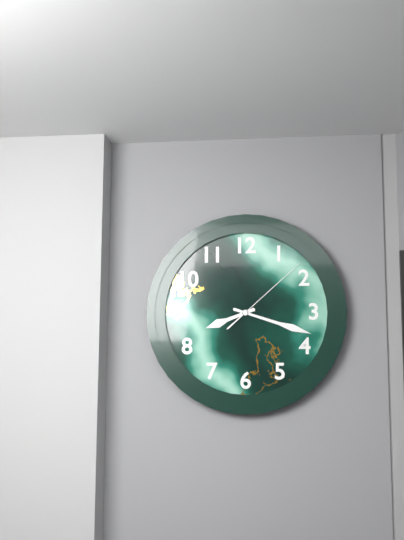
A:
8h18m08s
